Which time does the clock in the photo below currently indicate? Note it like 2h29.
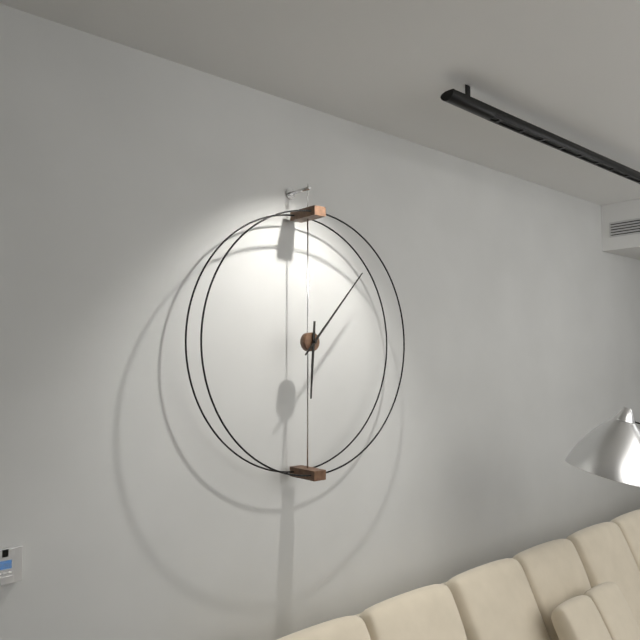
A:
6h07
